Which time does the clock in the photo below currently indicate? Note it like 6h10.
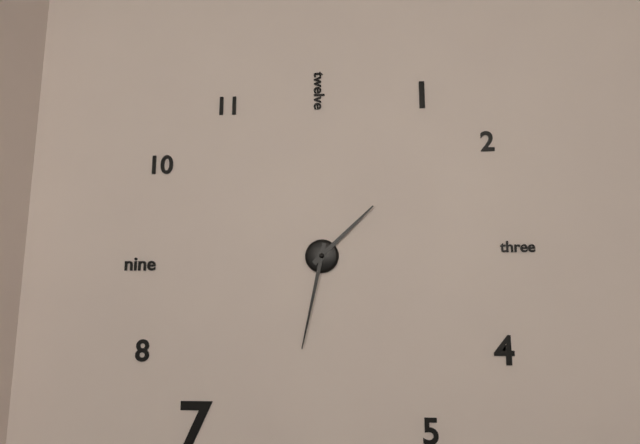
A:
1h32
